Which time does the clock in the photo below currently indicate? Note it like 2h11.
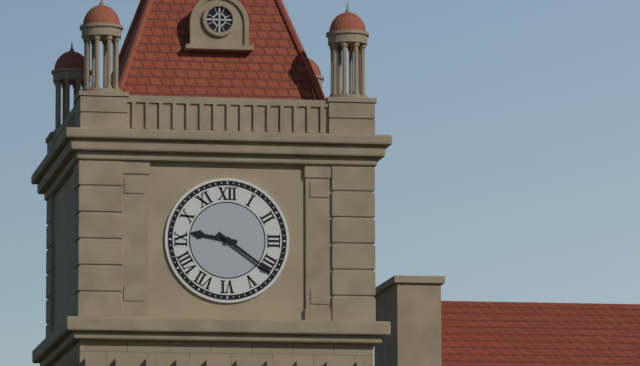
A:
9h21
